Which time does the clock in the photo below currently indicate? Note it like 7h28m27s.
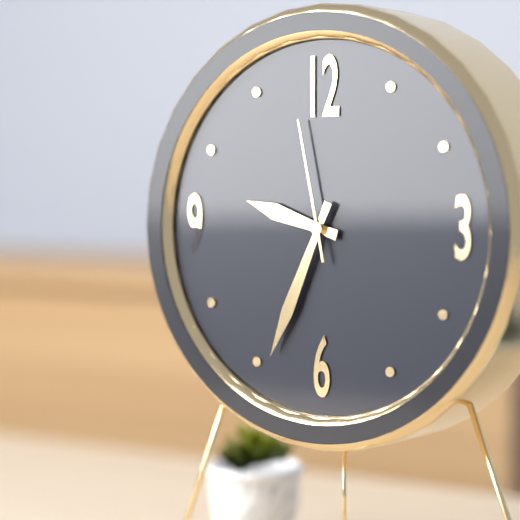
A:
9h34m58s
